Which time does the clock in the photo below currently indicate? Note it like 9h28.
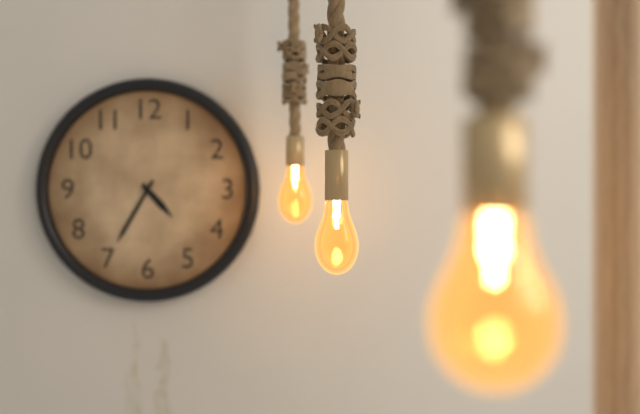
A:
4h35
